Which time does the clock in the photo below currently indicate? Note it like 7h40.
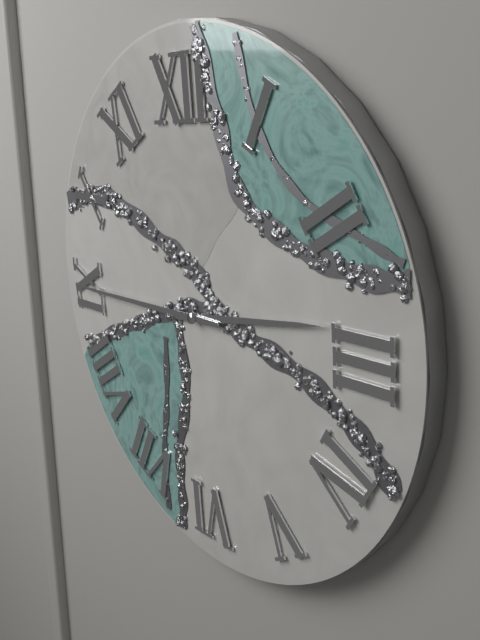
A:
2h45
